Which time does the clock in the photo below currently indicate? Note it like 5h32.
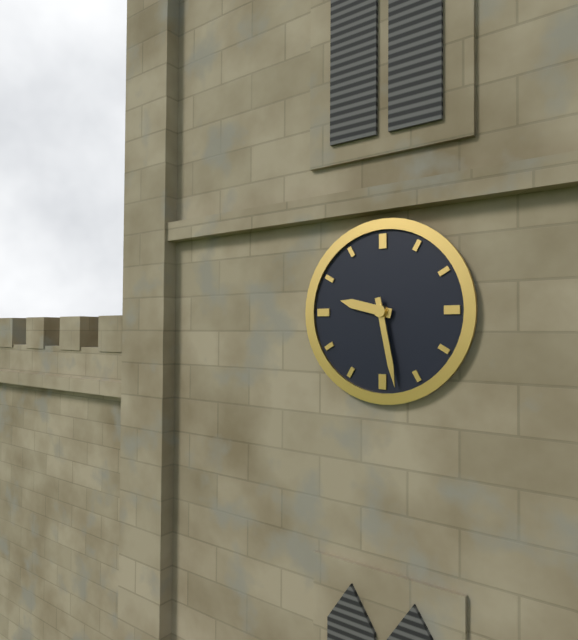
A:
9h28
